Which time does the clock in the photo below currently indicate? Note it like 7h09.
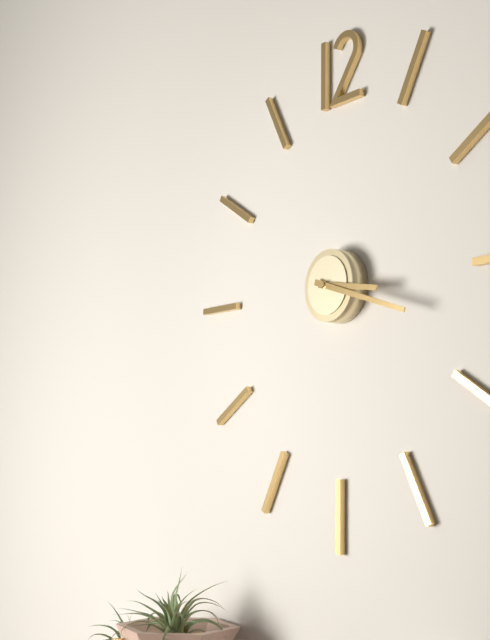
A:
3h18
